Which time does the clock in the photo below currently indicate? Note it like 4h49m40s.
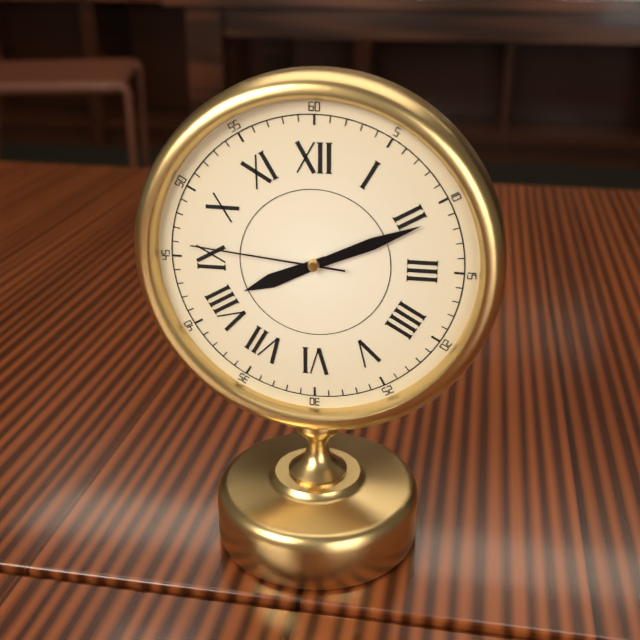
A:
8h11m46s
